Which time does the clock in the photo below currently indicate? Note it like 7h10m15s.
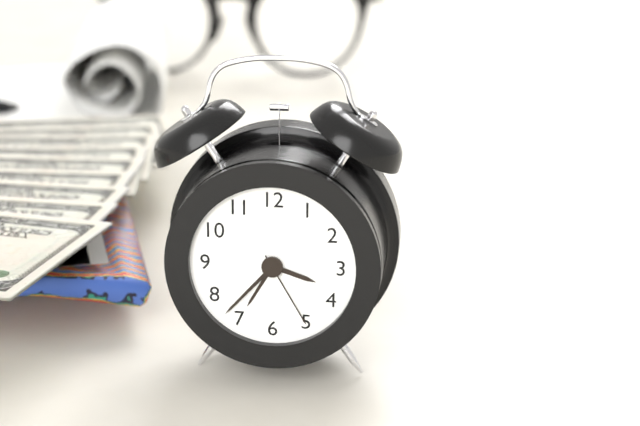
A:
3h37m25s
